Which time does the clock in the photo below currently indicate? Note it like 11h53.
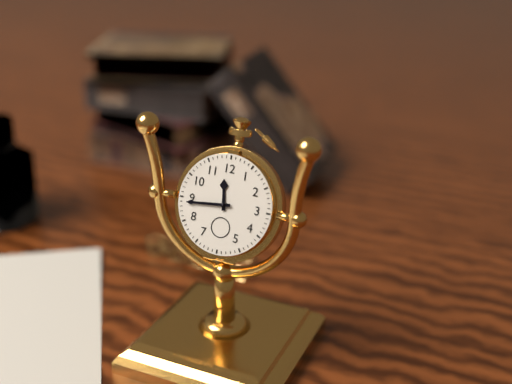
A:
11h44
